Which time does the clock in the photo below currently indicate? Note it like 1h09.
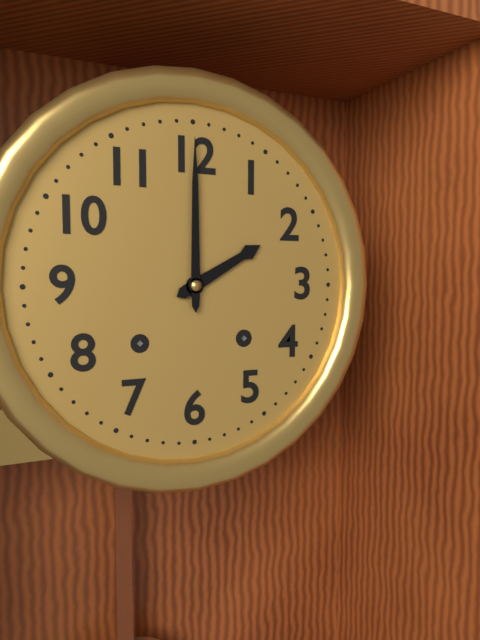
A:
2h00
